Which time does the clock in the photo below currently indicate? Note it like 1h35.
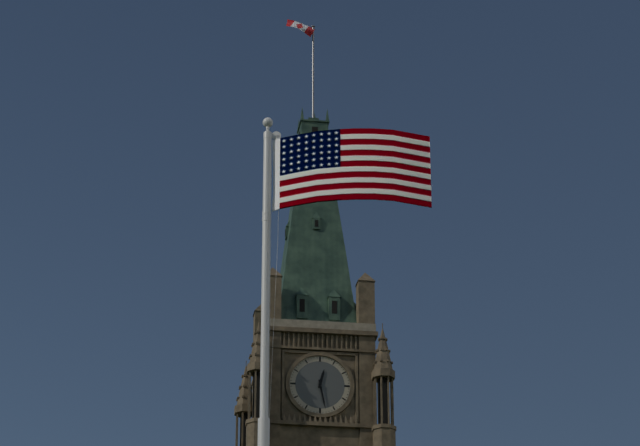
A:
12h28
